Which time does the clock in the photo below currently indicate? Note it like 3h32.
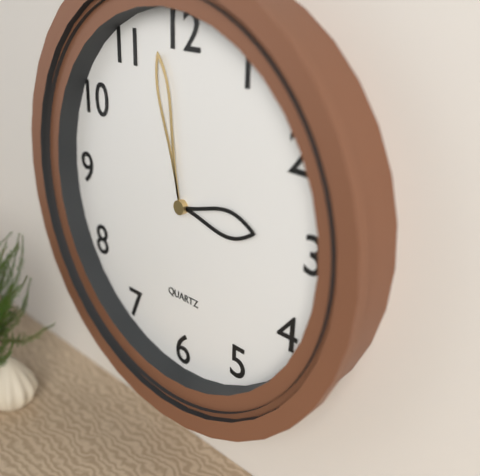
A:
2h58
